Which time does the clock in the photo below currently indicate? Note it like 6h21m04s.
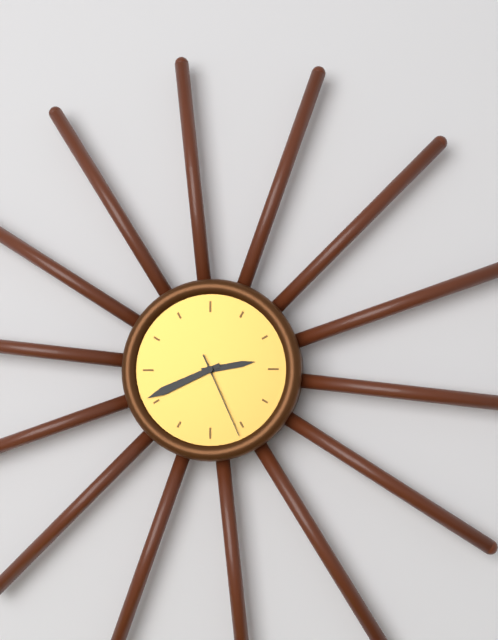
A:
2h41m26s
